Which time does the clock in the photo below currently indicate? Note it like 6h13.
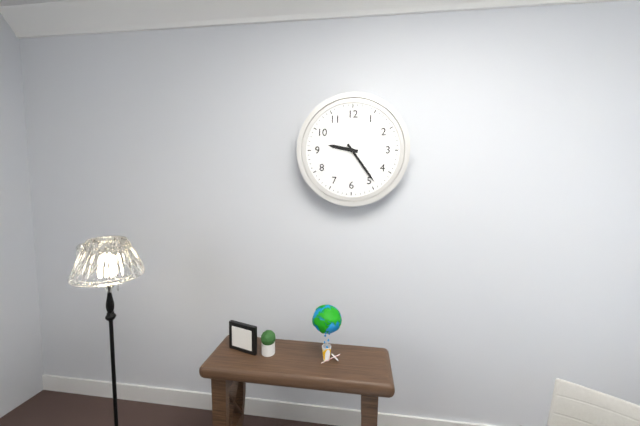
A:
9h24
